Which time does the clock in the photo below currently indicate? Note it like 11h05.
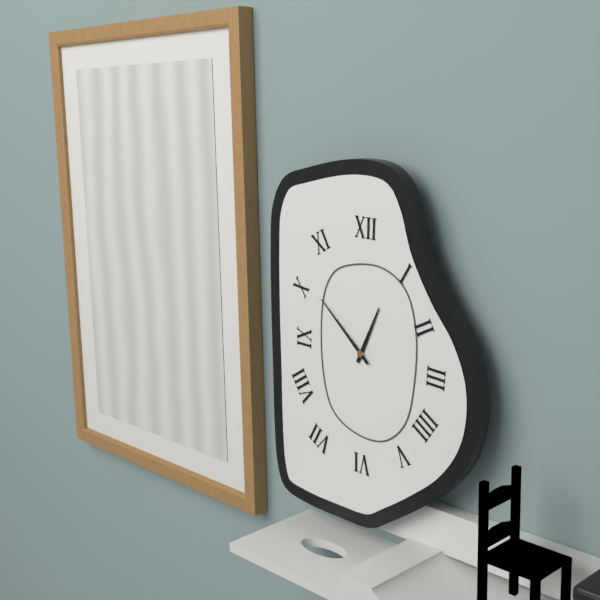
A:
12h52
